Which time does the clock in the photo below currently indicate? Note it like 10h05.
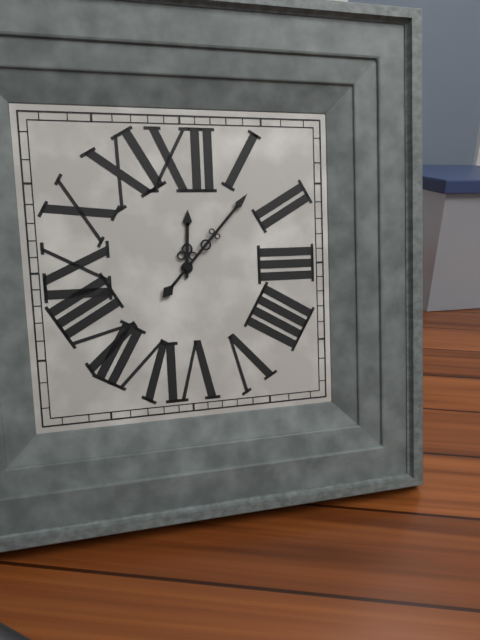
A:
12h07
